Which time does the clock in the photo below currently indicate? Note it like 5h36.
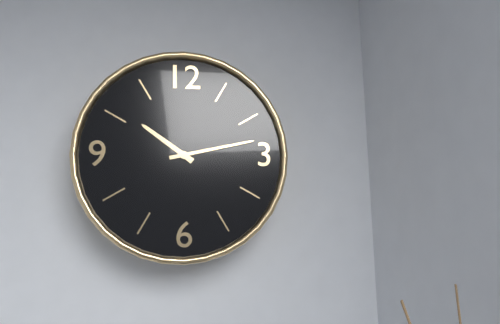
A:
10h13
